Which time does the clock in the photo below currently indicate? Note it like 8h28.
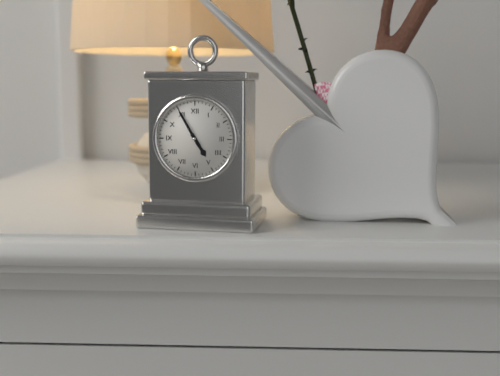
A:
4h55
